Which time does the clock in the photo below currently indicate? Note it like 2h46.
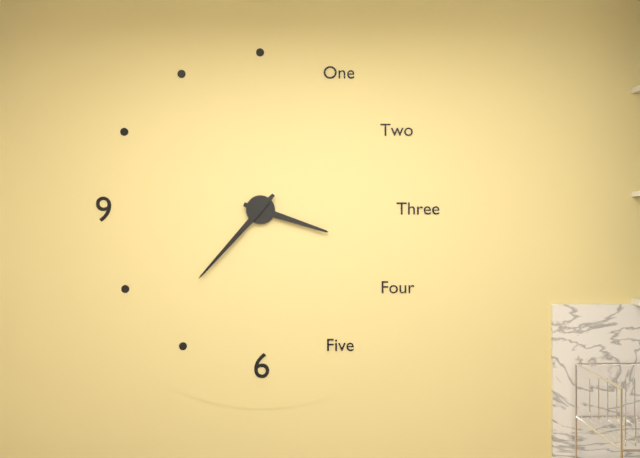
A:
3h37
